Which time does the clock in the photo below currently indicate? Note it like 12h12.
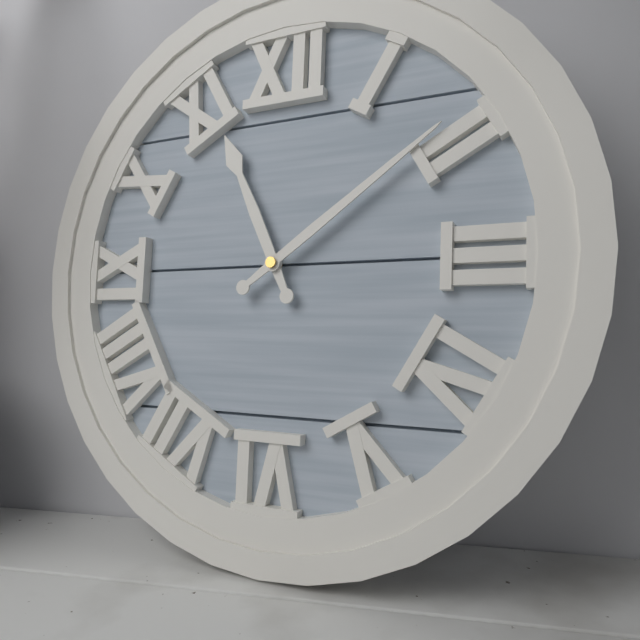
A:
11h09
